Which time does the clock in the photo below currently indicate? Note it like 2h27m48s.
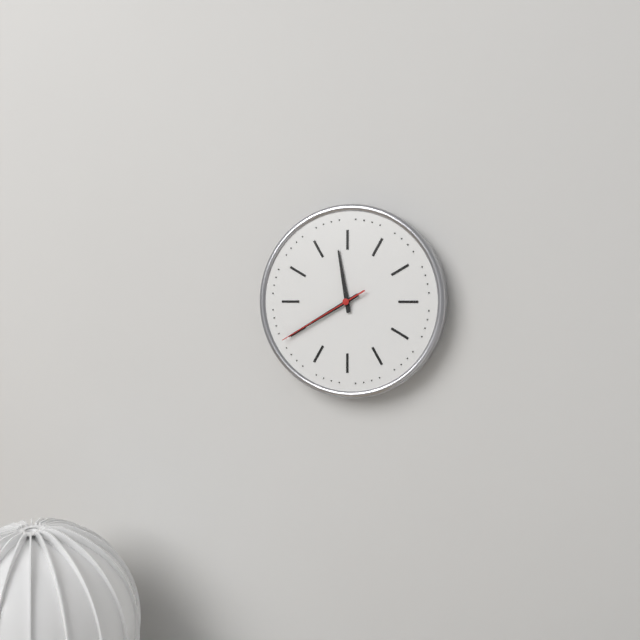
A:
11h40m40s
